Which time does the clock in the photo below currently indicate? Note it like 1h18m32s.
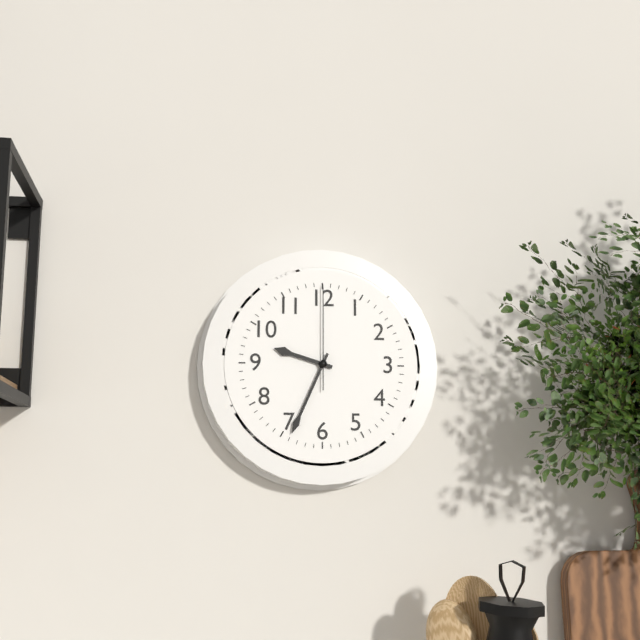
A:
9h34m00s
